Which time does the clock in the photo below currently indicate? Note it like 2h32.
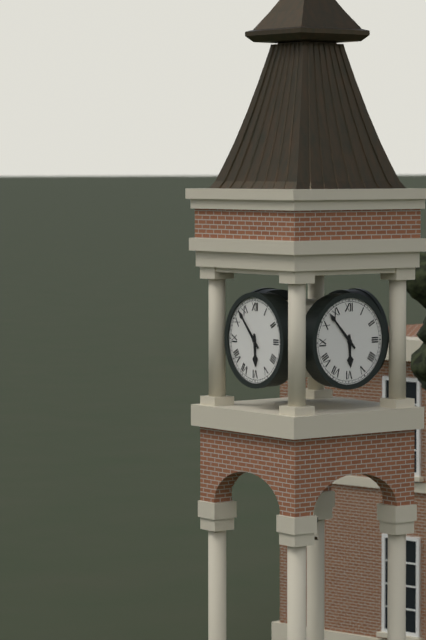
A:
5h53
